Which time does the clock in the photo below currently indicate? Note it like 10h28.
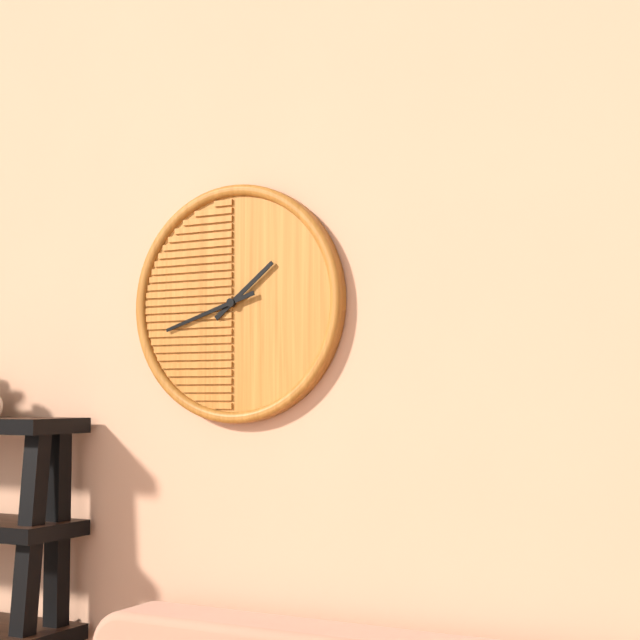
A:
1h42
